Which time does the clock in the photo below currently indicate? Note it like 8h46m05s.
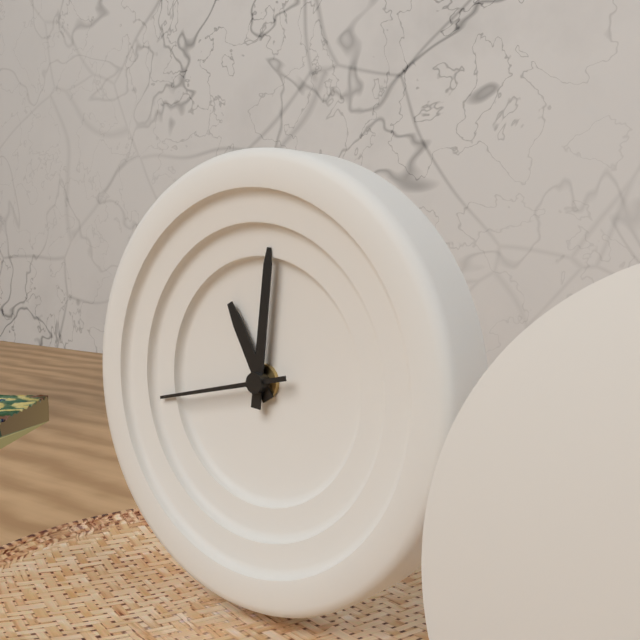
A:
11h01m43s
